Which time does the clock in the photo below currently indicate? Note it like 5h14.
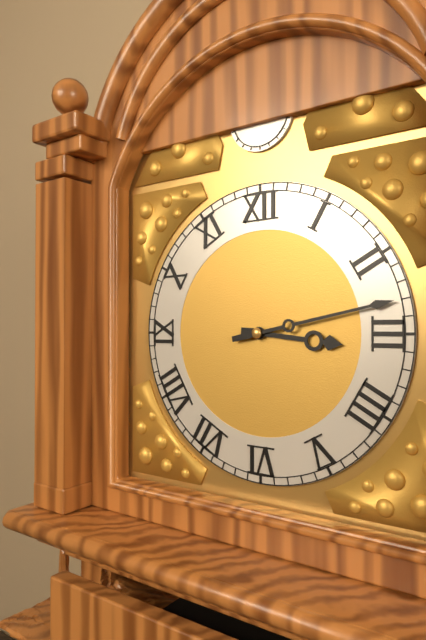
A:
3h13
